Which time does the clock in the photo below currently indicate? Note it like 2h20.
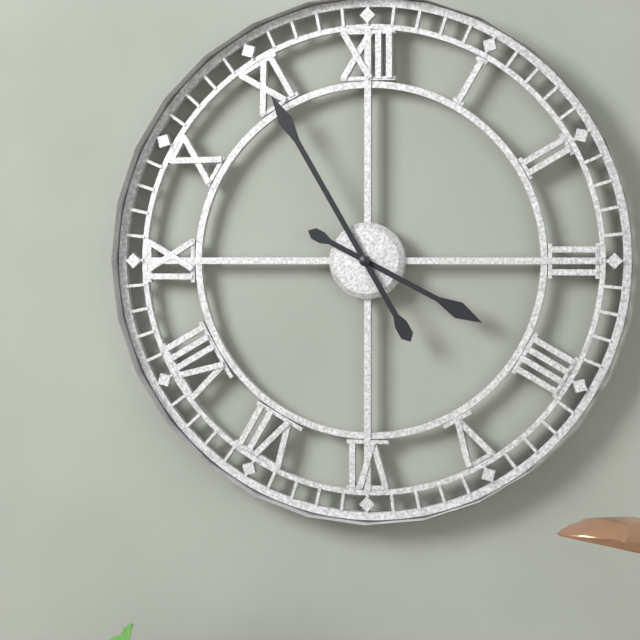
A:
3h55
